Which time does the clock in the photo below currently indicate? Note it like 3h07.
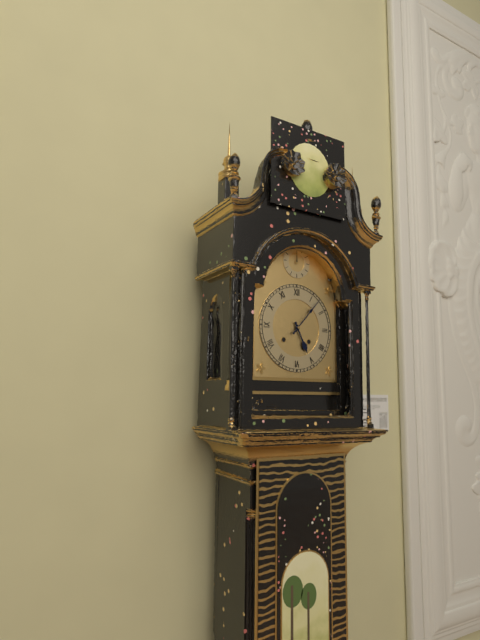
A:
5h07
